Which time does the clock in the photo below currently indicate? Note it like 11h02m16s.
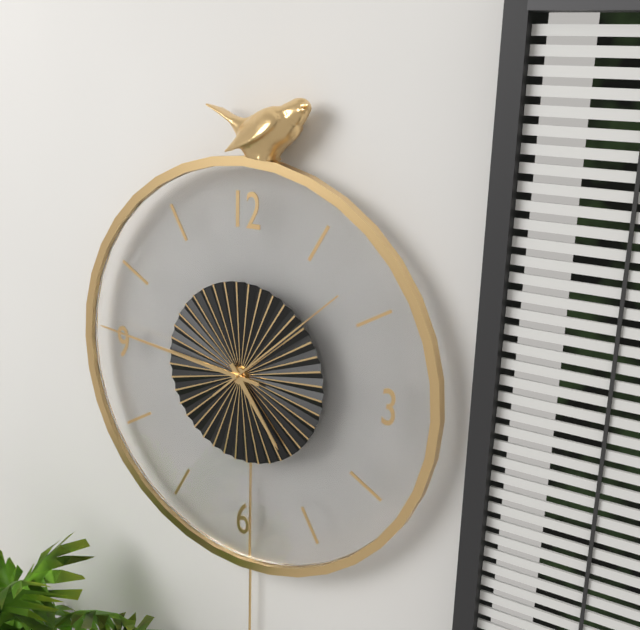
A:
4h46m08s
